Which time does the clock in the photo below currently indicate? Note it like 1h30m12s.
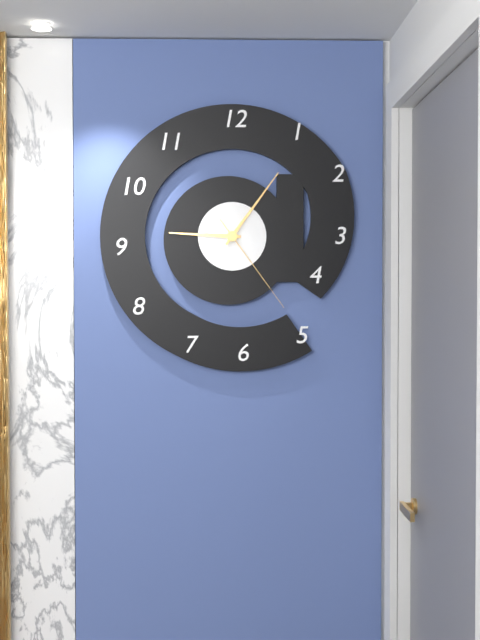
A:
9h06m24s
